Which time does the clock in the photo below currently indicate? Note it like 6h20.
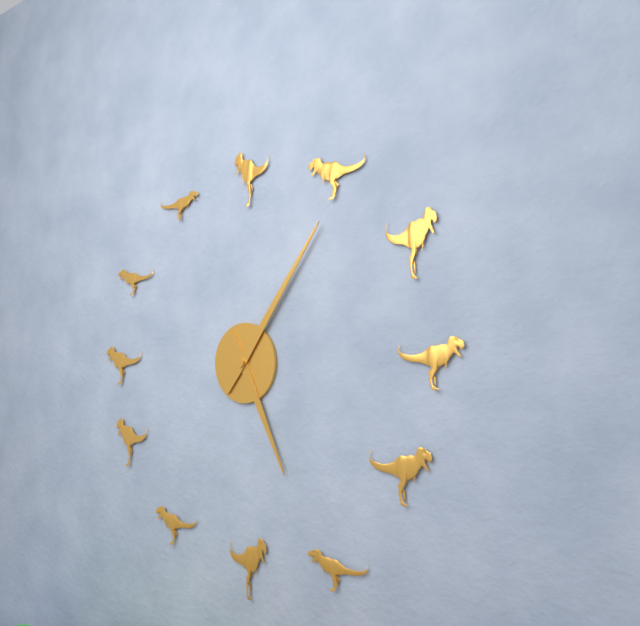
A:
5h06
